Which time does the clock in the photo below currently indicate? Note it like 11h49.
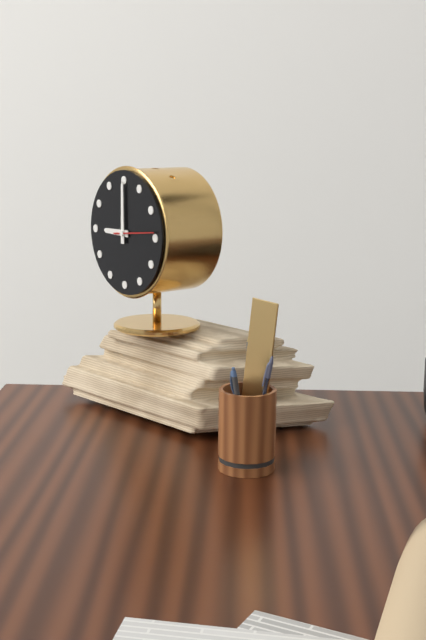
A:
9h00
